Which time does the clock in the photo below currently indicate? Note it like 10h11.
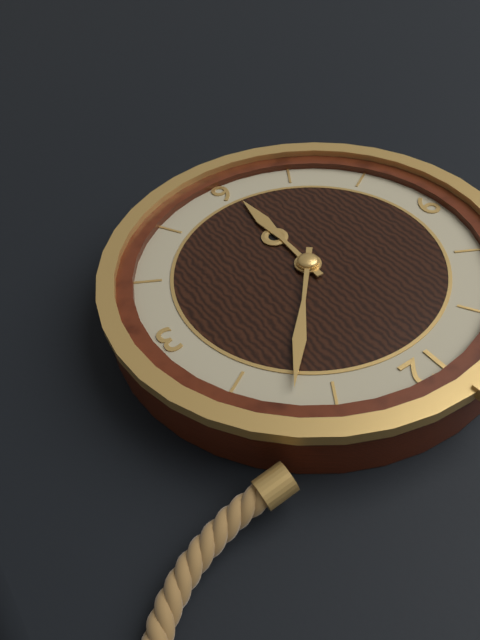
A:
6h07
